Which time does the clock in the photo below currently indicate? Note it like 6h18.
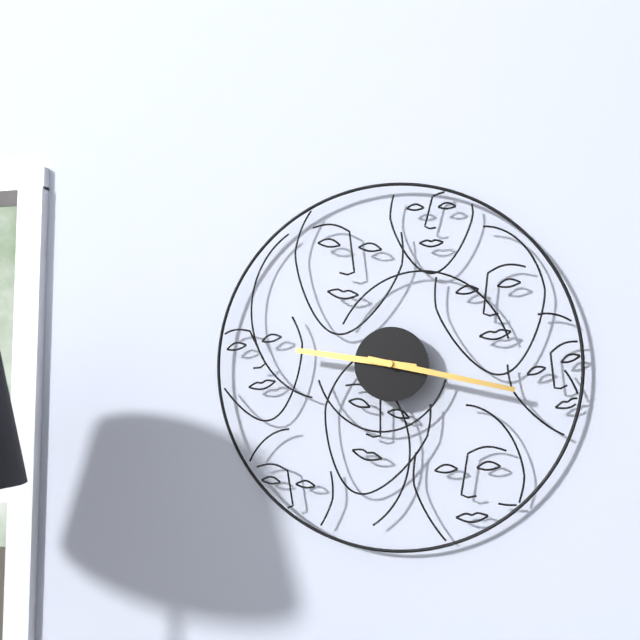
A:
9h17
